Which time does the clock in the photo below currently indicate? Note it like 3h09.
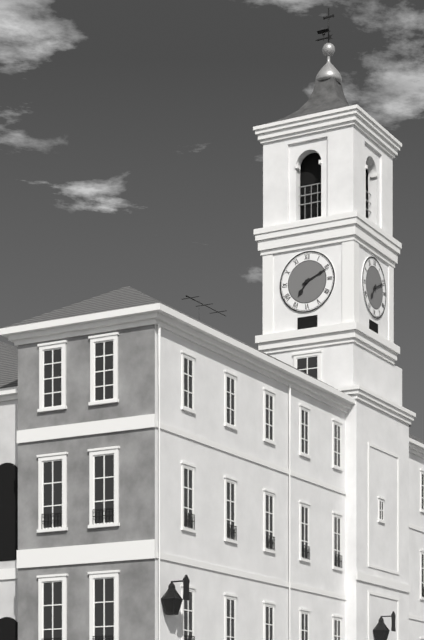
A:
7h11
